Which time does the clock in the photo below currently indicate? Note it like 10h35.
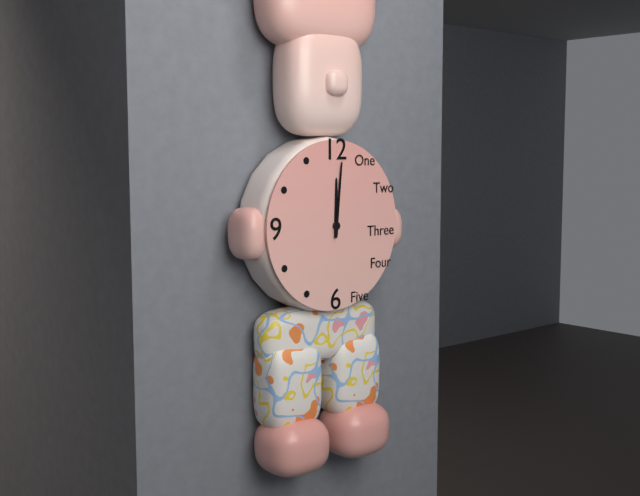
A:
12h01
